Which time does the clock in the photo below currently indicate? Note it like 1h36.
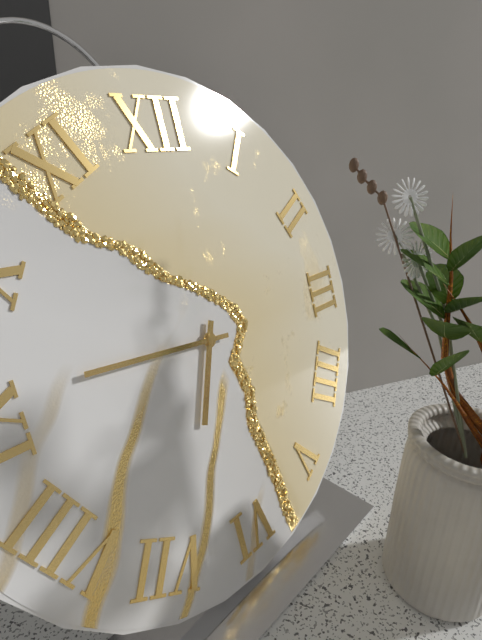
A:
6h46
